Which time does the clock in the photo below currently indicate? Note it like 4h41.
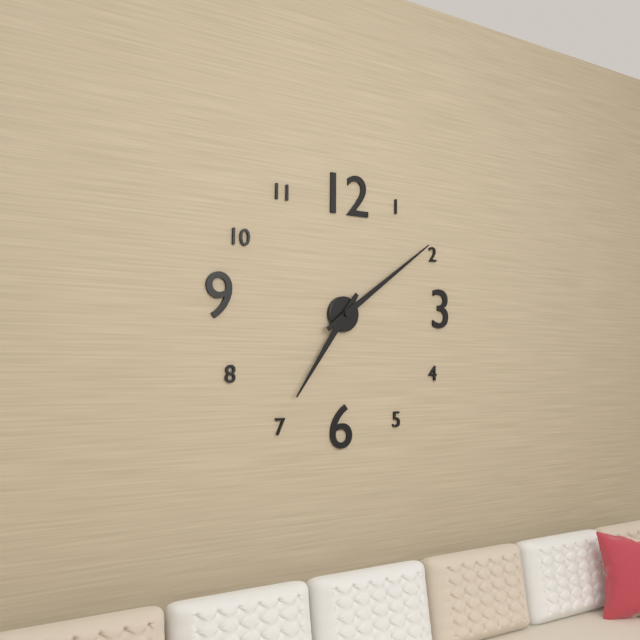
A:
7h09
